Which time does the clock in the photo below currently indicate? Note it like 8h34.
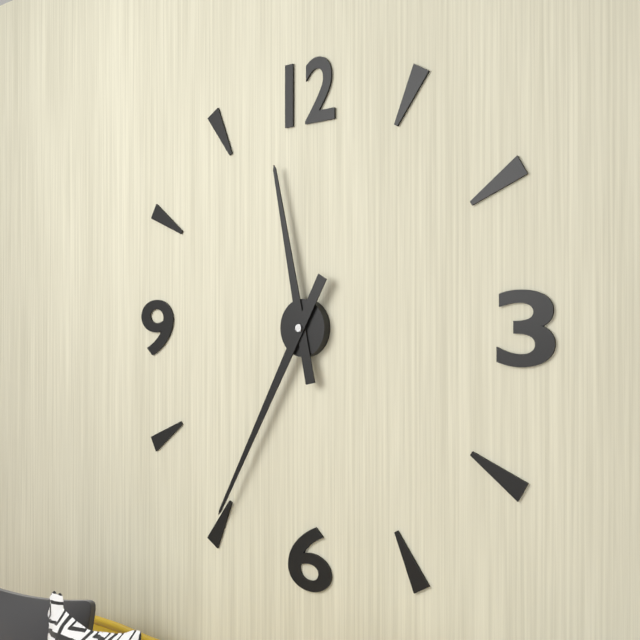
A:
11h35
